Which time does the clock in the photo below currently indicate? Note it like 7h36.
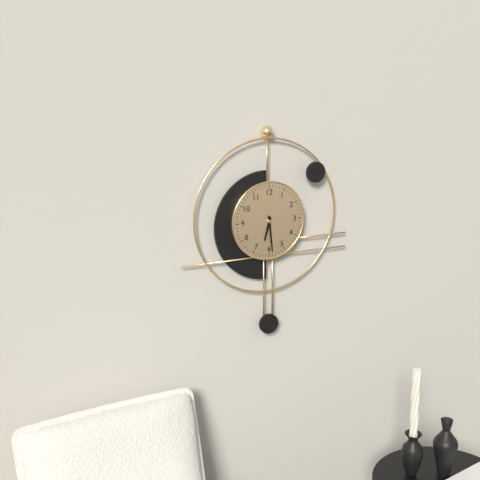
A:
6h29
